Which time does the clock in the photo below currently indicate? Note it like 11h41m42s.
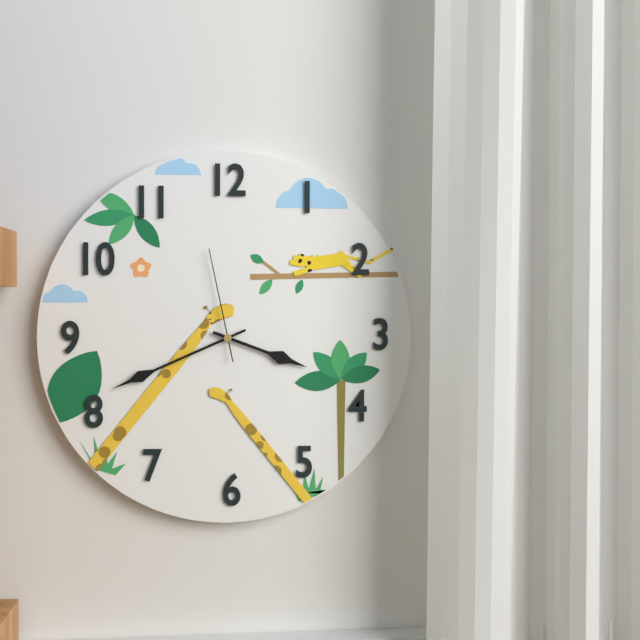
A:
3h41m58s
